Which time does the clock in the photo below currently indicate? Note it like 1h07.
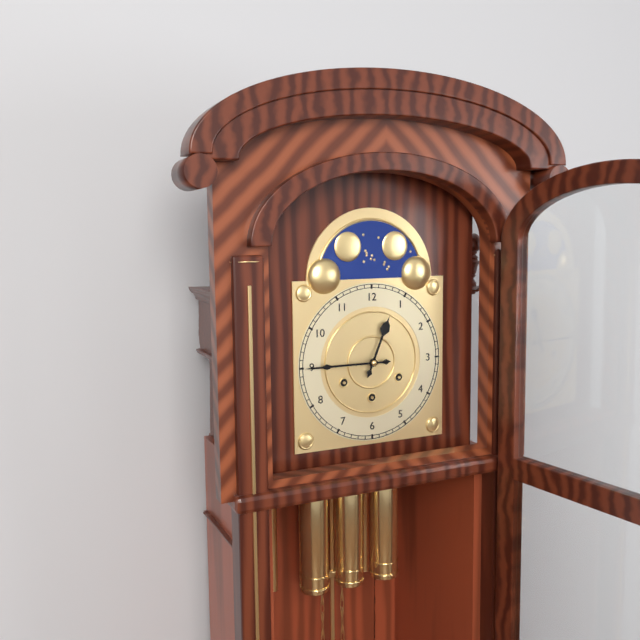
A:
12h45
